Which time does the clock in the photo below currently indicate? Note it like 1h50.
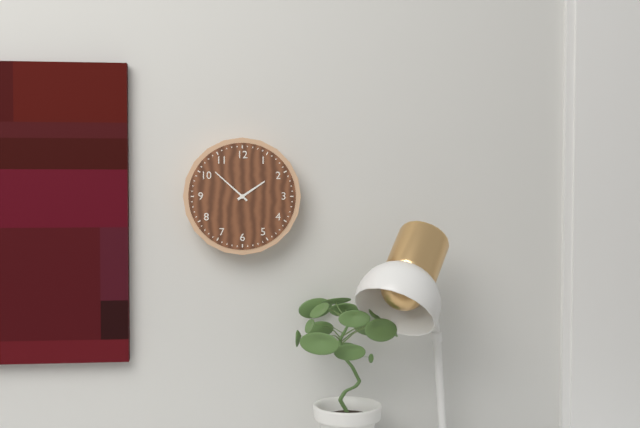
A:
1h52
